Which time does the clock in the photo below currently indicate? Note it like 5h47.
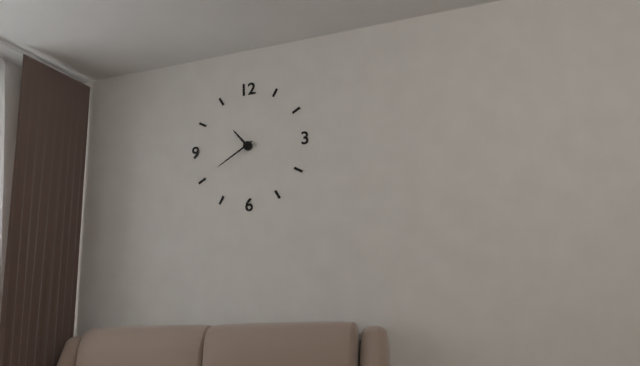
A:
10h40
